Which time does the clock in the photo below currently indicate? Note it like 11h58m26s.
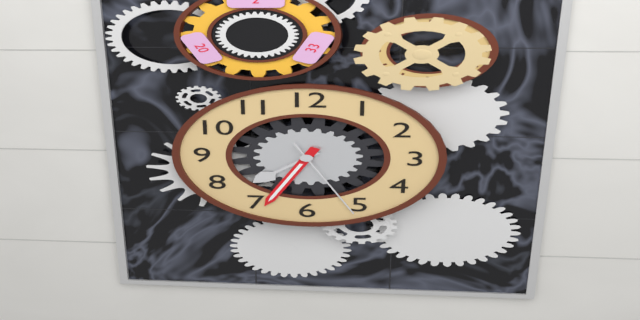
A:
7h34m26s
